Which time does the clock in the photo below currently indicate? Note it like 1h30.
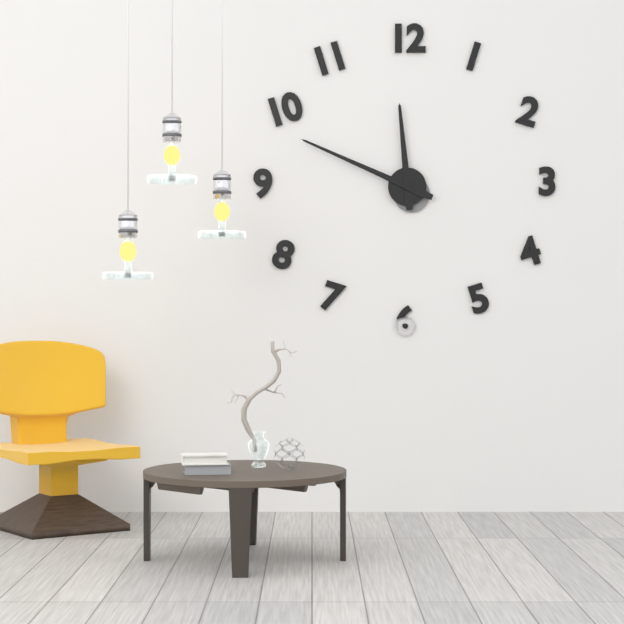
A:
11h49
